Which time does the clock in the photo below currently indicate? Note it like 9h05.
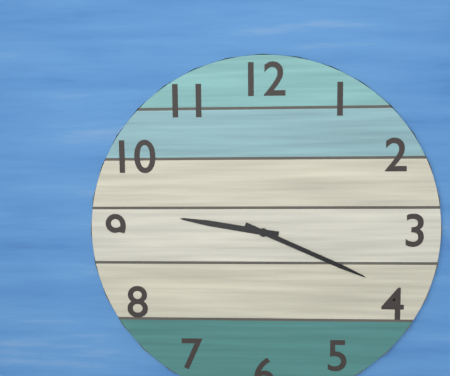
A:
9h19
